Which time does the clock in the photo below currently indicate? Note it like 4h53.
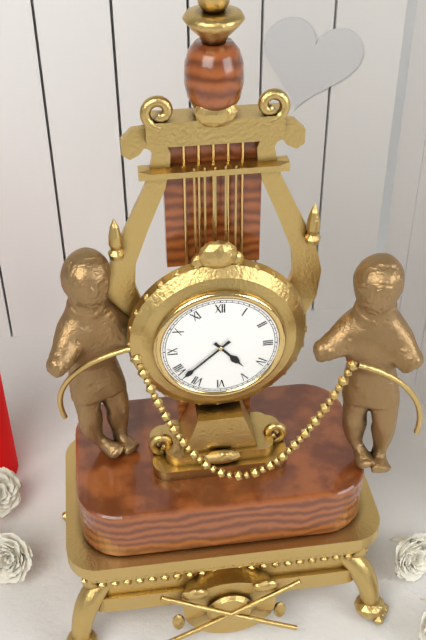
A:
4h38
